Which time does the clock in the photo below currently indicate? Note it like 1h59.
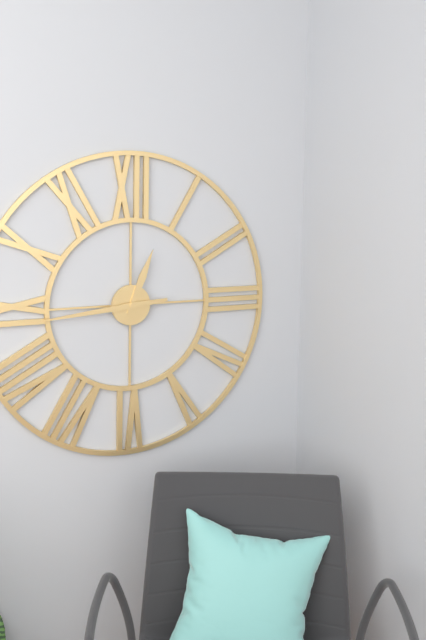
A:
12h44
